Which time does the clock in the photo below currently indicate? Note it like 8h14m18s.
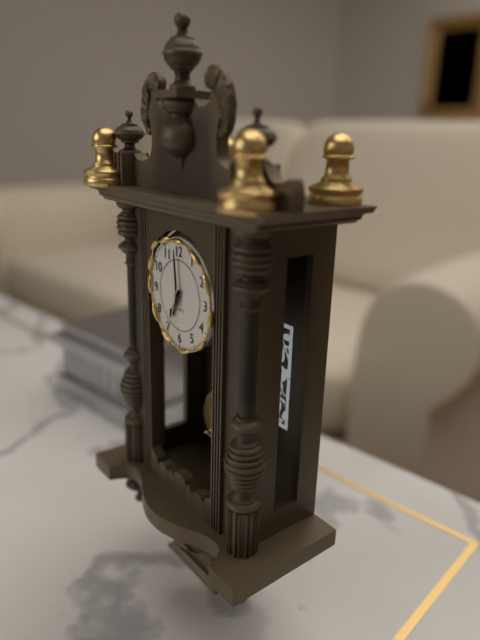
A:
6h59m33s
